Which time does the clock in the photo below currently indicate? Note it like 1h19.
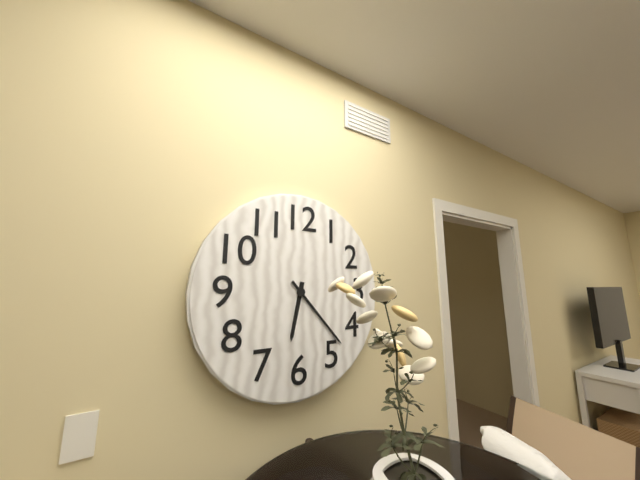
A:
6h23
